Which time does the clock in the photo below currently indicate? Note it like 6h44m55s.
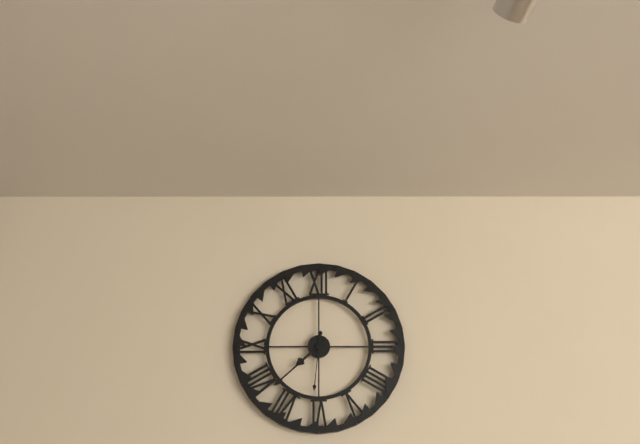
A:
7h38m31s
